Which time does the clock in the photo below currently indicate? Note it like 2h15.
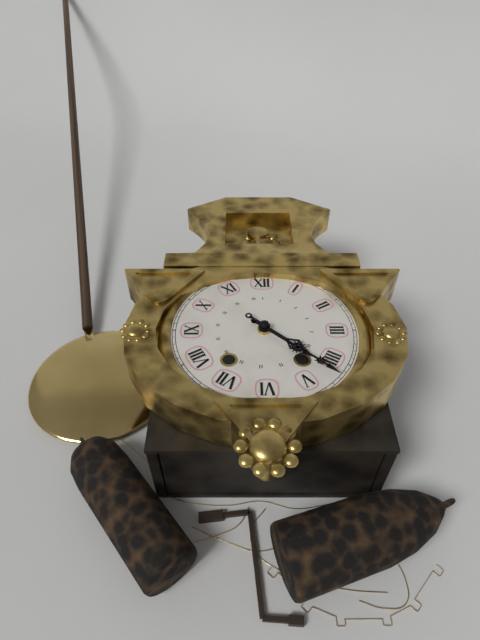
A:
4h22
